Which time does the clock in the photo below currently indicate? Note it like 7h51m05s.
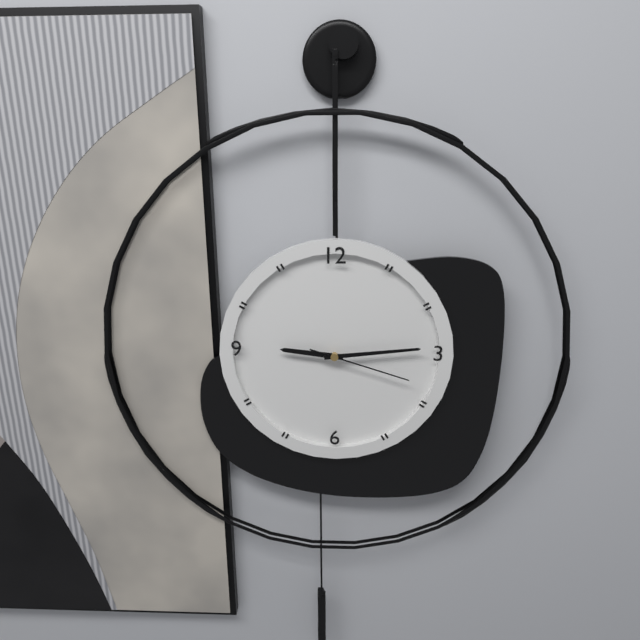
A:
9h14m18s
